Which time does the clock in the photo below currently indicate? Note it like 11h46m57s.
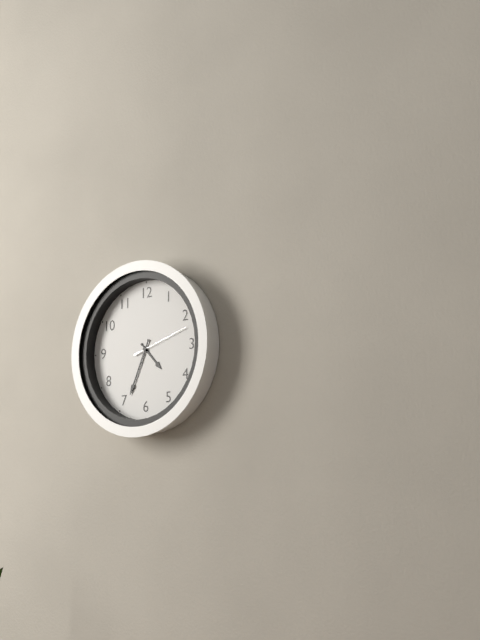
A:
4h34m12s
